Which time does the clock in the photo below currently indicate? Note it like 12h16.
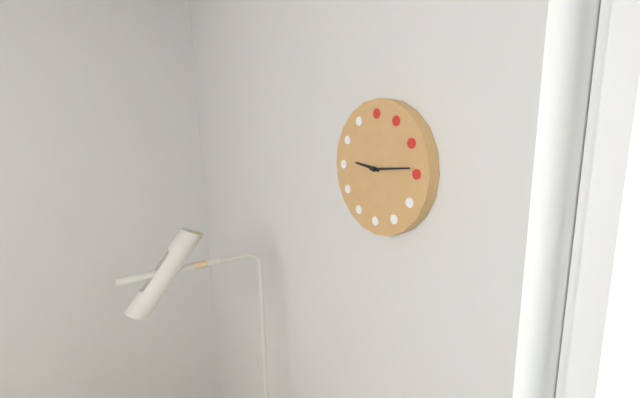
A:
9h14
